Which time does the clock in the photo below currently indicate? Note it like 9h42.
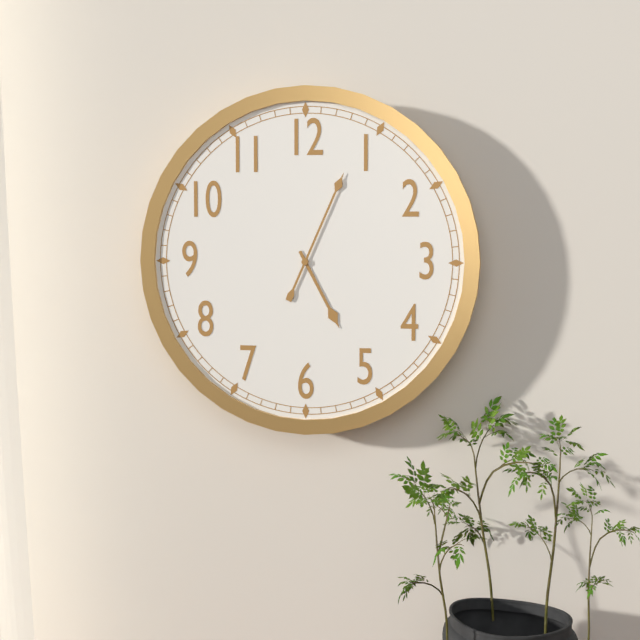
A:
5h04
